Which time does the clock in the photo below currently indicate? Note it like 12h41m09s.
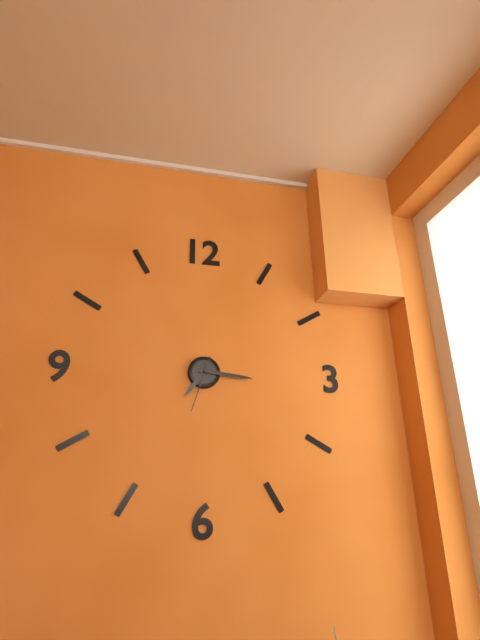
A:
7h16m33s
